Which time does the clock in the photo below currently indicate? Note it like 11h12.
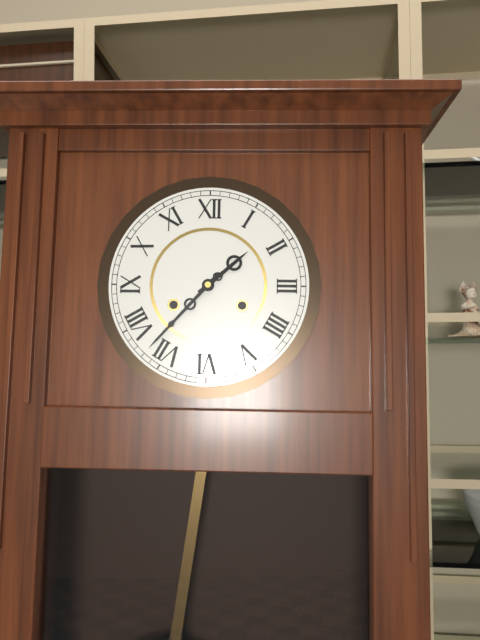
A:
1h37
